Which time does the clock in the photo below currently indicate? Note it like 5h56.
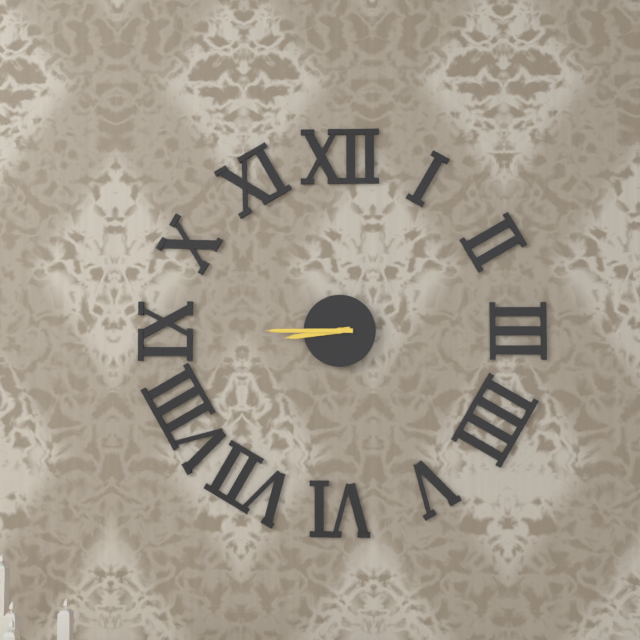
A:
8h45
